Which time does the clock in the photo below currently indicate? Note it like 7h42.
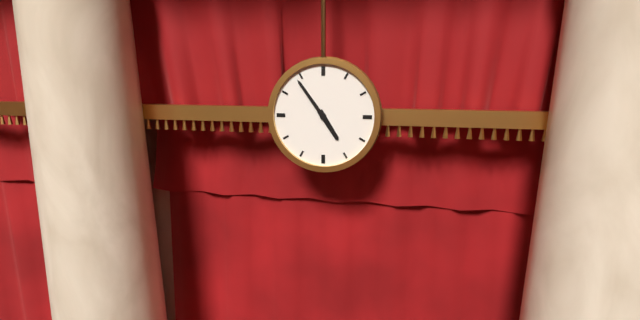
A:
4h54
